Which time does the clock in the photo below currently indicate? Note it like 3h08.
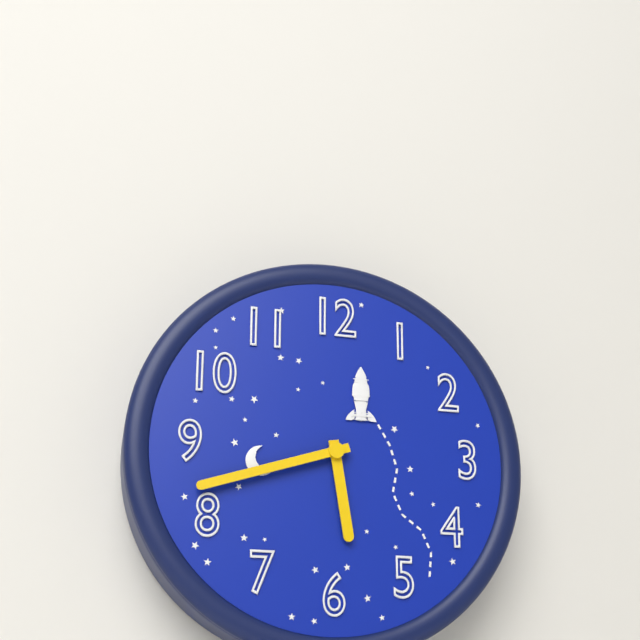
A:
5h42
